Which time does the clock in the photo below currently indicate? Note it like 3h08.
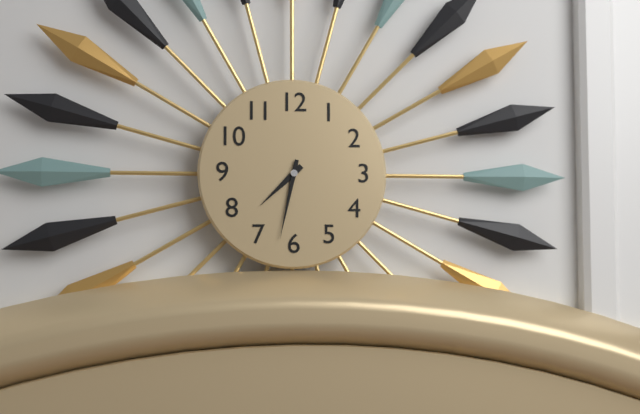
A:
7h32
